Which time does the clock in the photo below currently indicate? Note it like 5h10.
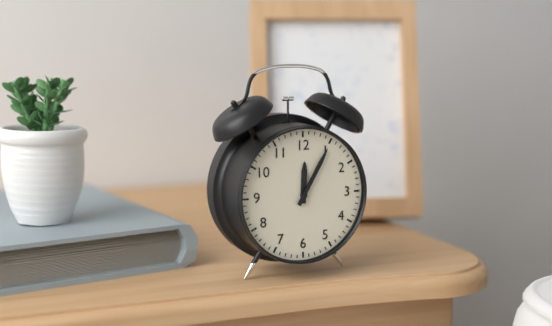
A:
12h05
